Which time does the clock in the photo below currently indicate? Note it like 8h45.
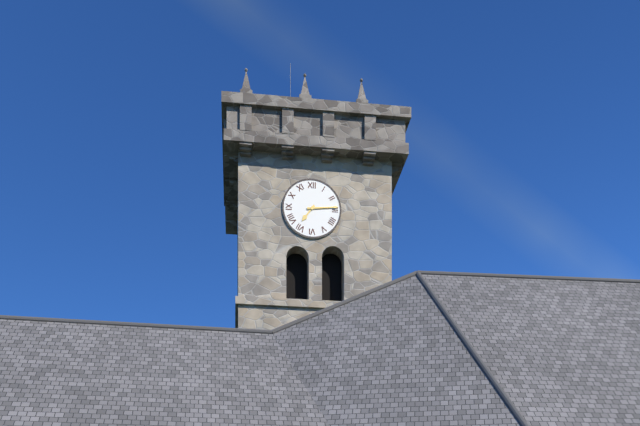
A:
7h14
